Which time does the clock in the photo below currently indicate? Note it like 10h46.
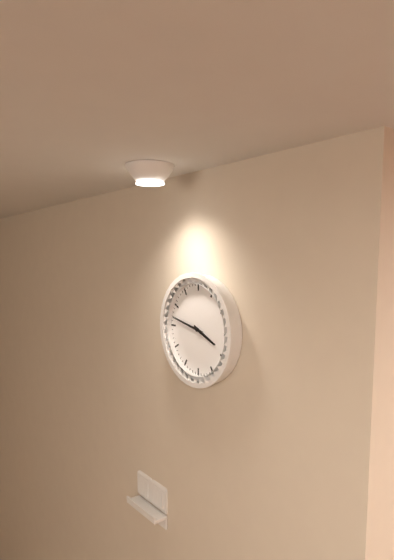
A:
3h47
